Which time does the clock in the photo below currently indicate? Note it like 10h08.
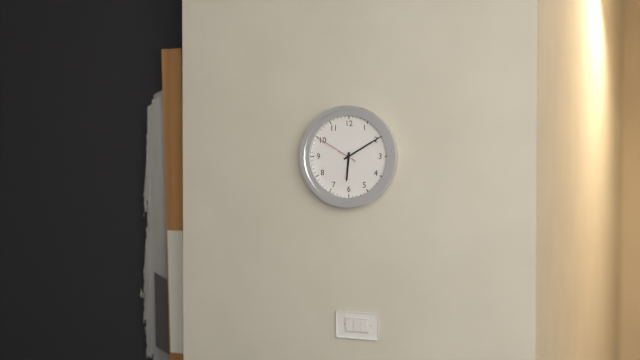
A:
6h10
